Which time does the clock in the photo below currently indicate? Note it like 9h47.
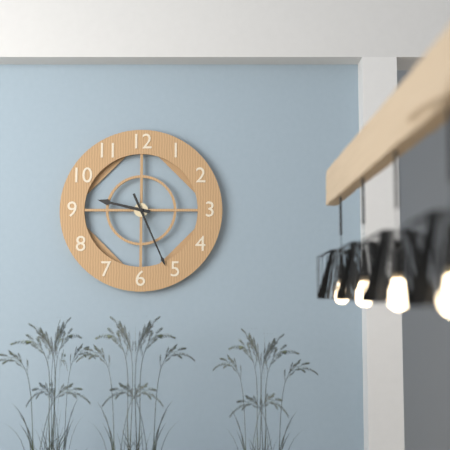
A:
9h26
